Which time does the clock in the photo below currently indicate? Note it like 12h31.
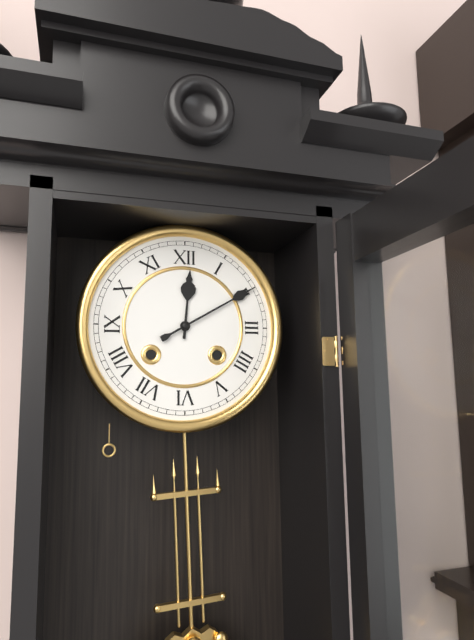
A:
12h10
